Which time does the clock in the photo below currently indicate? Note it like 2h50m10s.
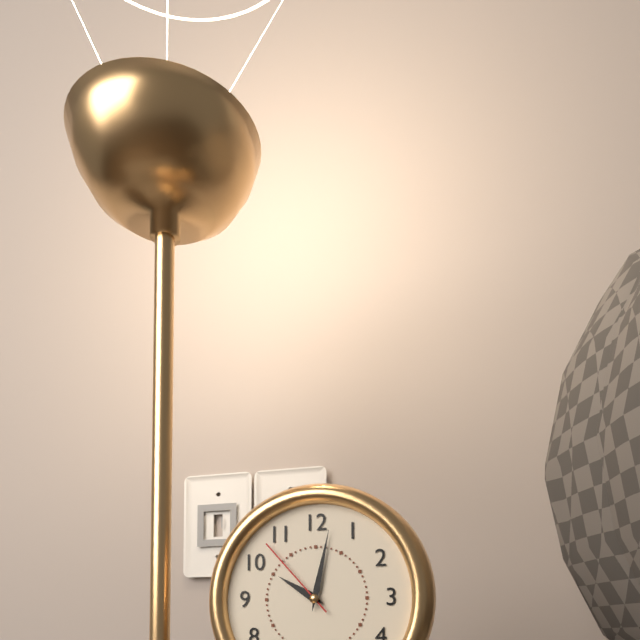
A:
10h02m53s
